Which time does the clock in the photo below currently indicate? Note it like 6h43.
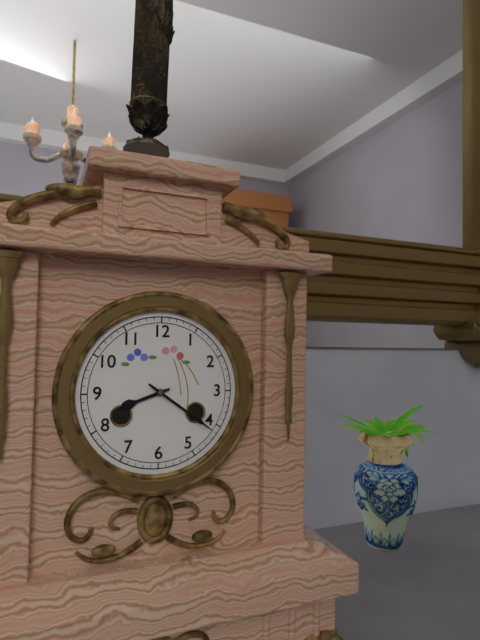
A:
8h21
